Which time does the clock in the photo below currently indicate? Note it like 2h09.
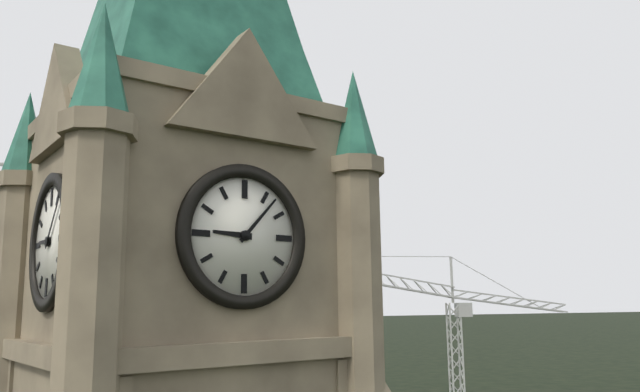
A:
9h07
